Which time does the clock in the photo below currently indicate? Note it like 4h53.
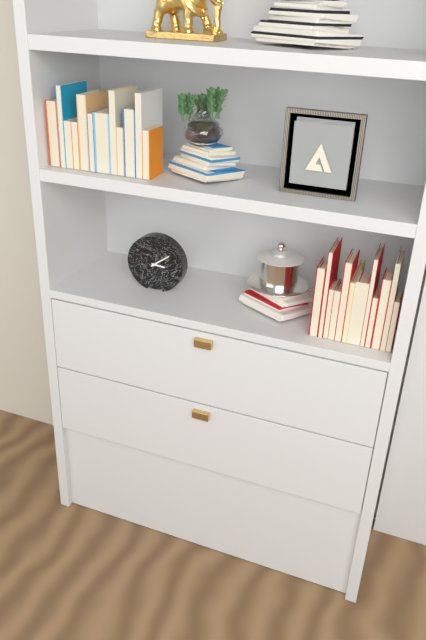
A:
3h09
